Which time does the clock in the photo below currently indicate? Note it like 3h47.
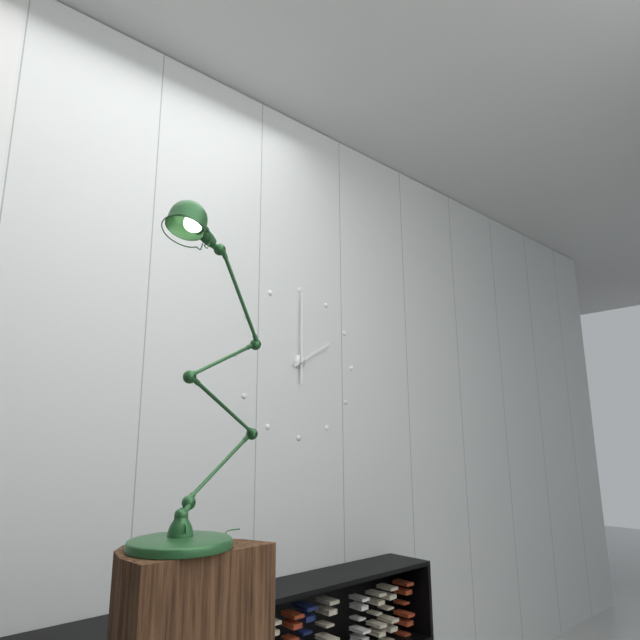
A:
2h00
